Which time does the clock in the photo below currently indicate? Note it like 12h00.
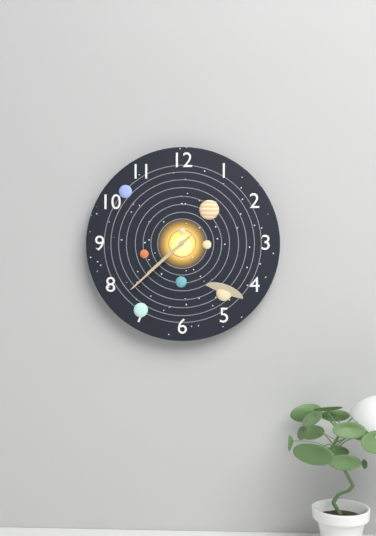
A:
7h38
